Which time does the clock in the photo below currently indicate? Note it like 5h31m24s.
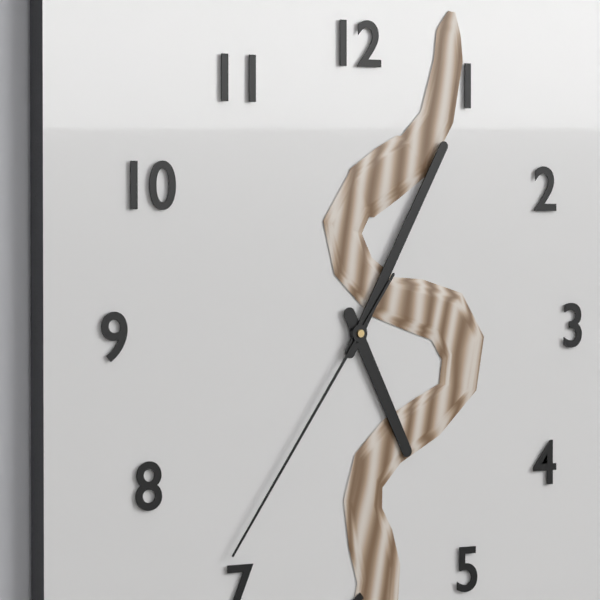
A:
5h05m36s
